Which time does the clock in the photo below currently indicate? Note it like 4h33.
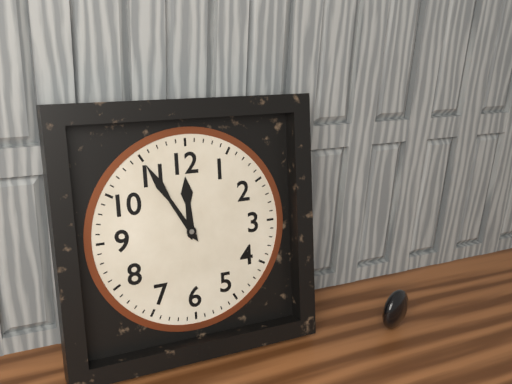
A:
11h55
